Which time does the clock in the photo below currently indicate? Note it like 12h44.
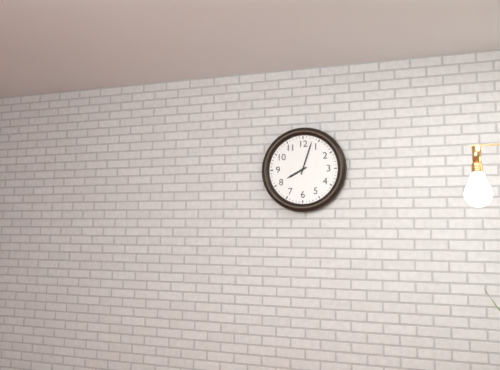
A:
8h03
